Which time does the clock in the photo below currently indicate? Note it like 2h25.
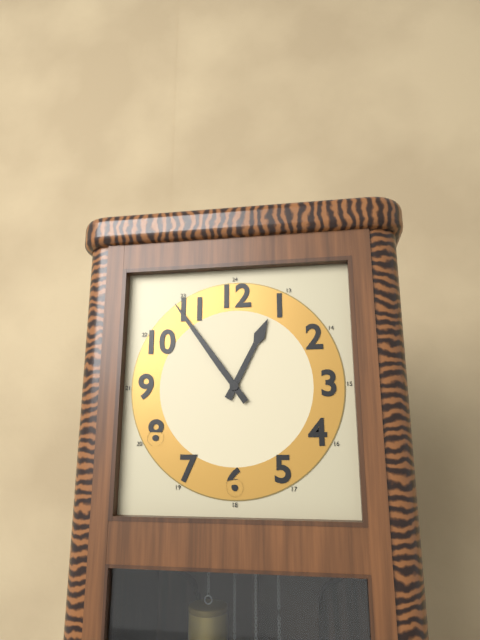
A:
12h54
